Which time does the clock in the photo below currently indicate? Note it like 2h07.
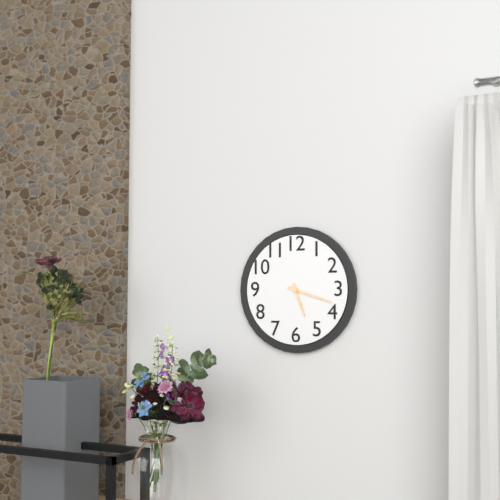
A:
5h18
